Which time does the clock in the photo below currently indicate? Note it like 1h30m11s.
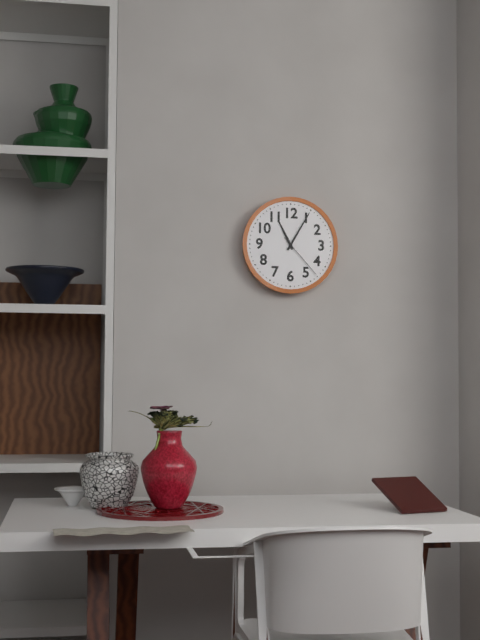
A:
11h05m23s
